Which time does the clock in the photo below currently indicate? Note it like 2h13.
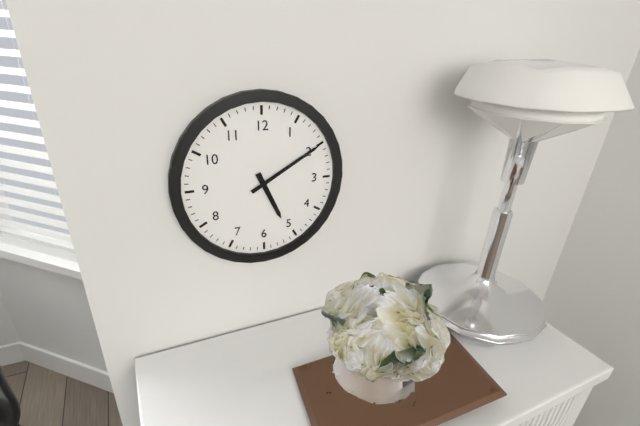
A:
5h10
